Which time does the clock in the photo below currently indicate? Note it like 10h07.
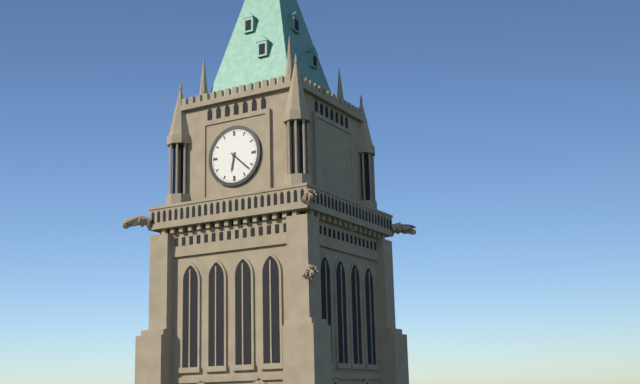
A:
6h22
